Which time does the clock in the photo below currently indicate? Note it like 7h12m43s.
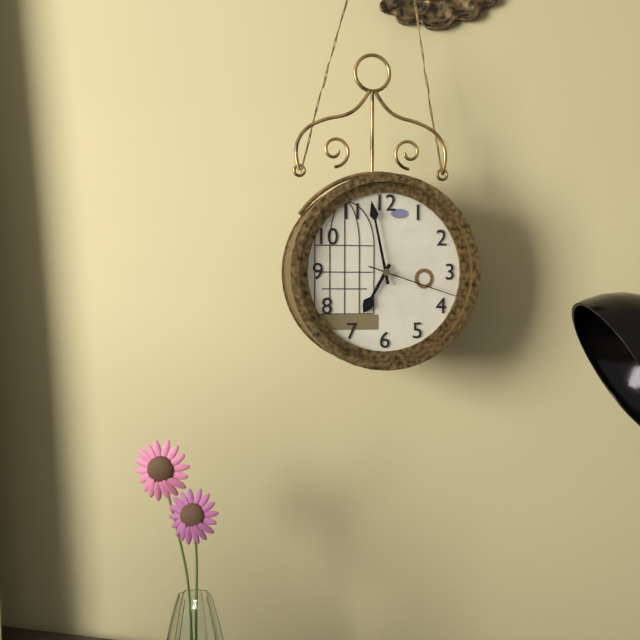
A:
6h58m18s
